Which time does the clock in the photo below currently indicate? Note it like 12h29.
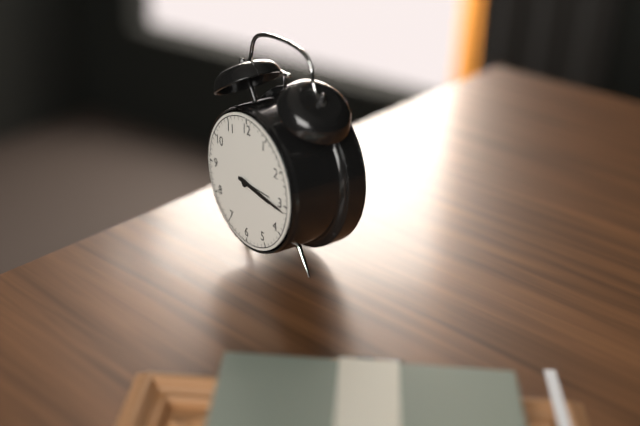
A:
3h16
